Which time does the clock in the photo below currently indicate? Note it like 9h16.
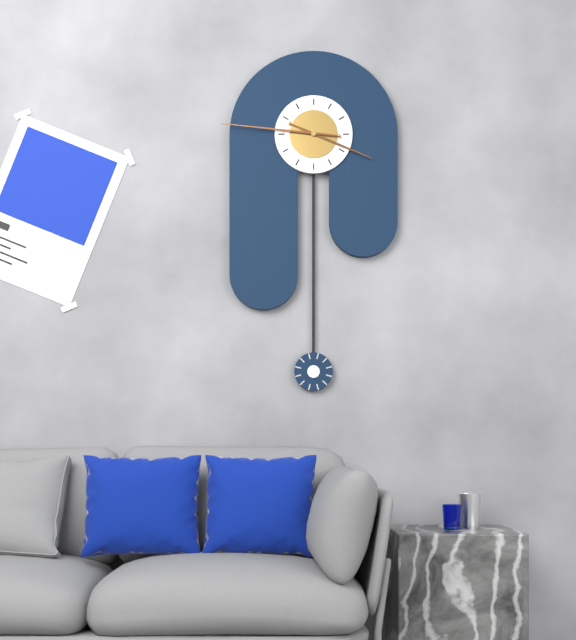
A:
3h46
